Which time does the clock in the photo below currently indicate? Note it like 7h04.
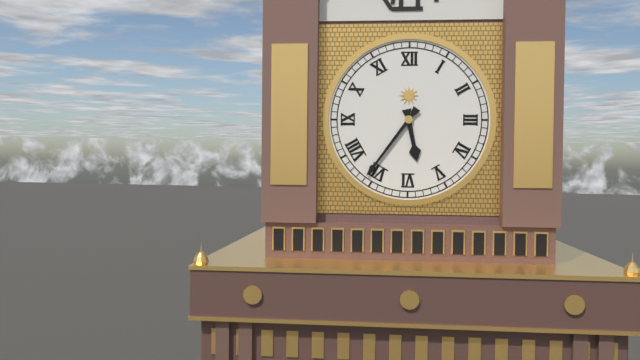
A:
5h36
